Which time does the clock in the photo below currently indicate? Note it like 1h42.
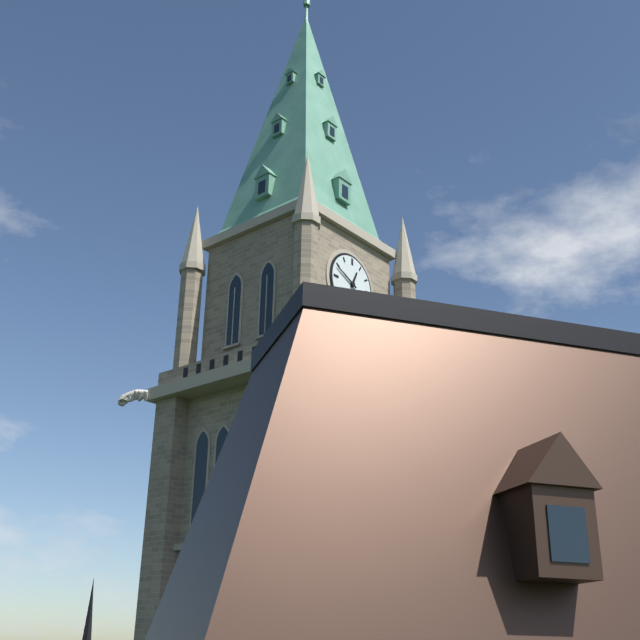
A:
12h49
